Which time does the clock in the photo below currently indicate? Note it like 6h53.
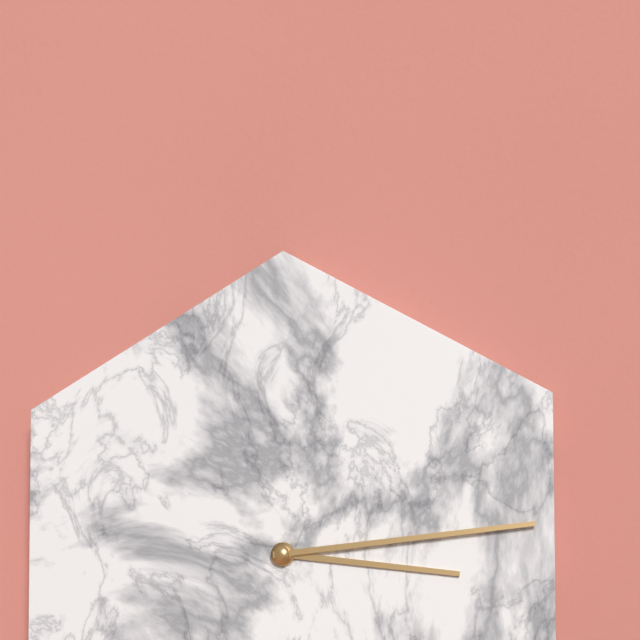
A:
3h14
